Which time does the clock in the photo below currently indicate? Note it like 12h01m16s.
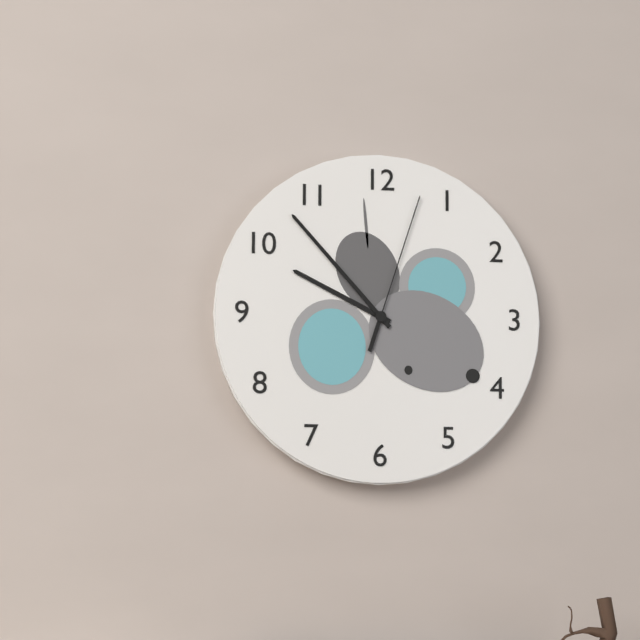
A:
9h53m03s
